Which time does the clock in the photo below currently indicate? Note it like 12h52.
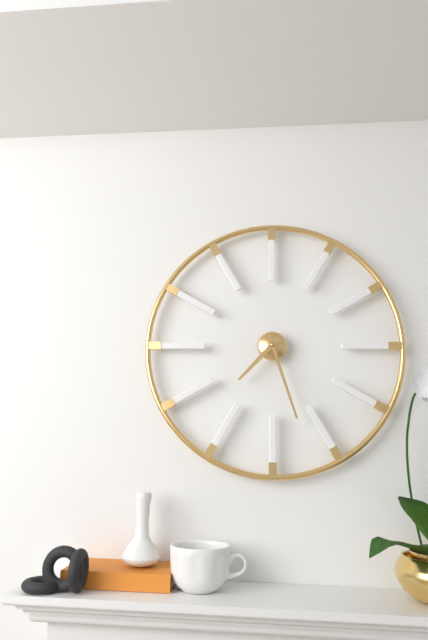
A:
7h27
